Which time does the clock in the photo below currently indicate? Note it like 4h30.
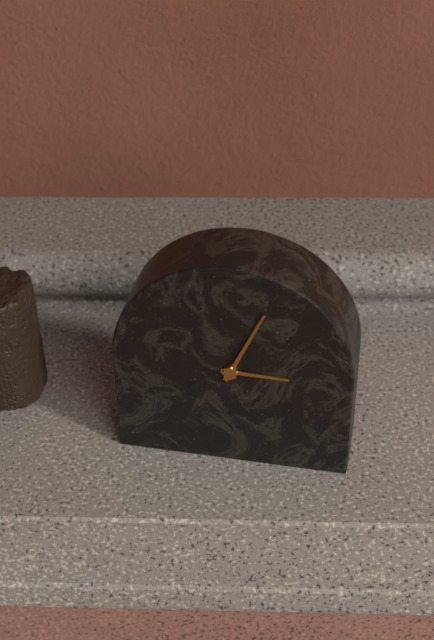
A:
3h04
